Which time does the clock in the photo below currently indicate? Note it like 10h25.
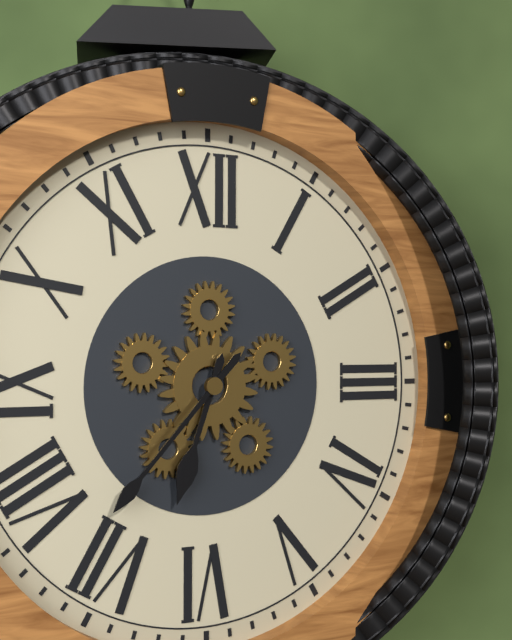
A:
6h37
